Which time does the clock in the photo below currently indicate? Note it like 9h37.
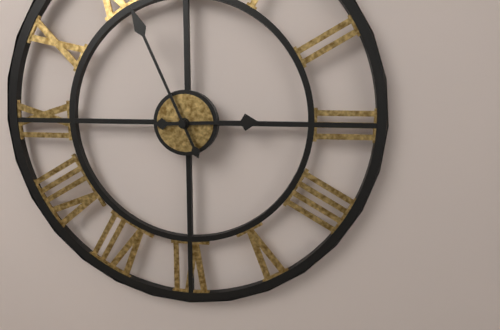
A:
2h56
